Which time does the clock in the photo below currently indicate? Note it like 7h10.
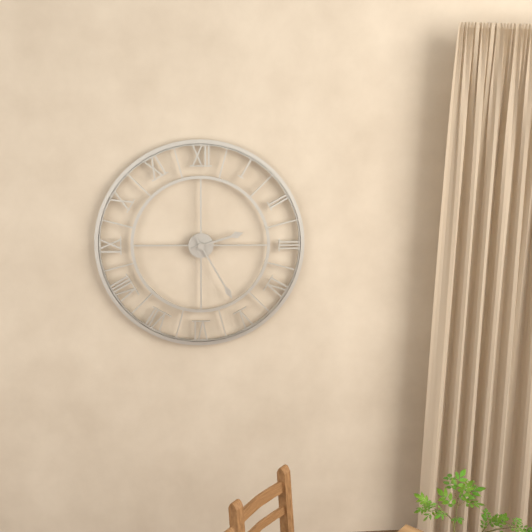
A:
2h25
